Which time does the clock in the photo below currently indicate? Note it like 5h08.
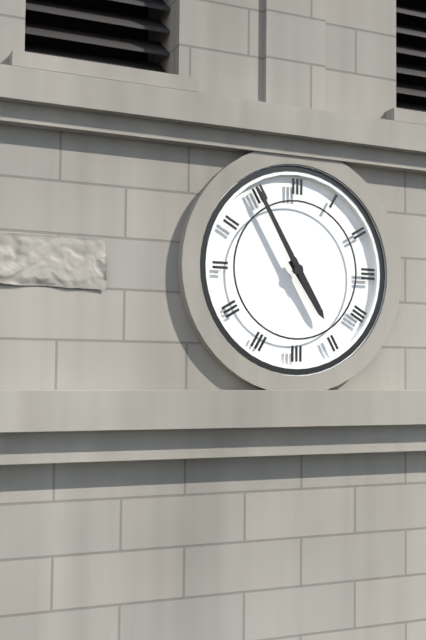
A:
4h55
